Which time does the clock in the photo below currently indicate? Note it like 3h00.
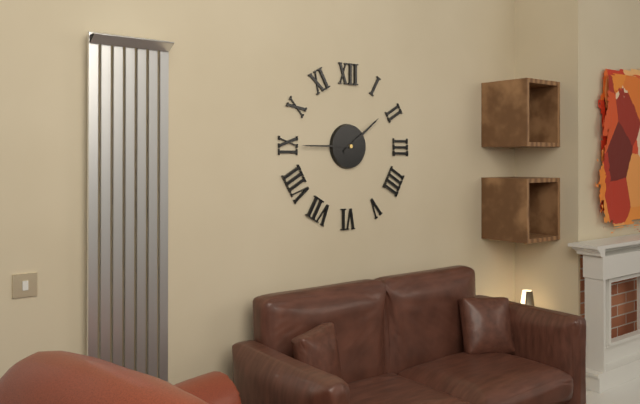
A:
1h45
